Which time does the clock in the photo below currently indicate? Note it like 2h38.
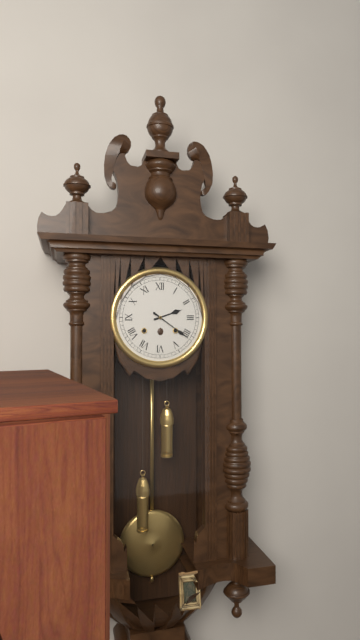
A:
2h21
